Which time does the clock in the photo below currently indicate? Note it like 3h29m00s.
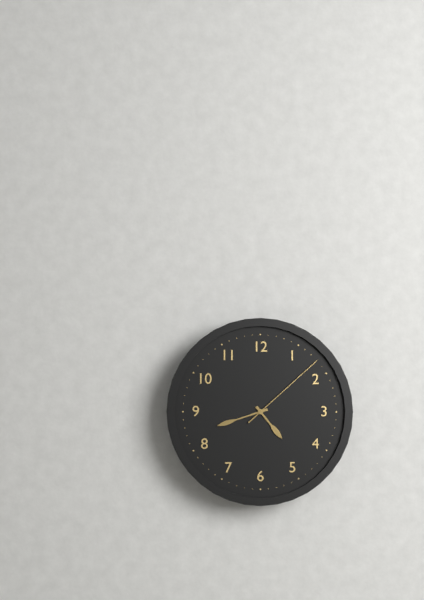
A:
4h42m08s
